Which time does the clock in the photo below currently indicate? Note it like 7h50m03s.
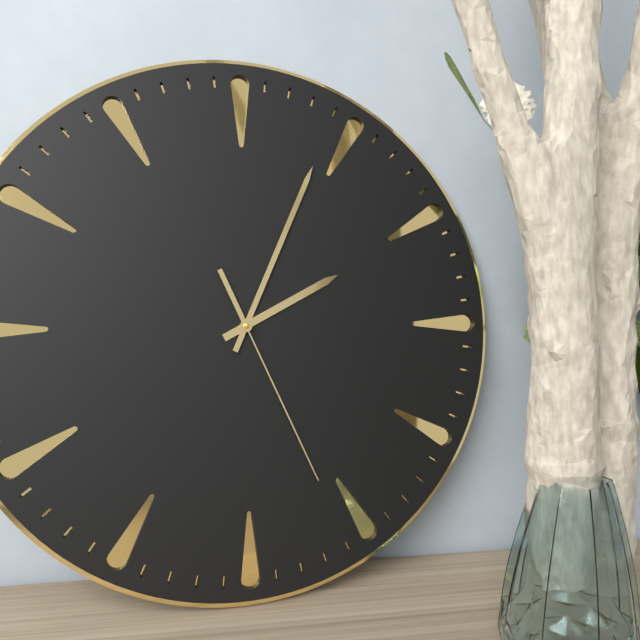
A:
2h04m26s
